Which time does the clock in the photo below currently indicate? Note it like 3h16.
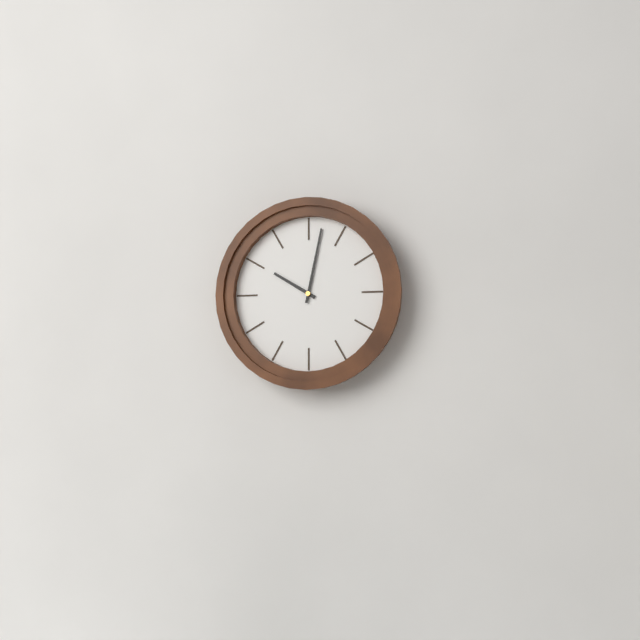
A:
10h02
